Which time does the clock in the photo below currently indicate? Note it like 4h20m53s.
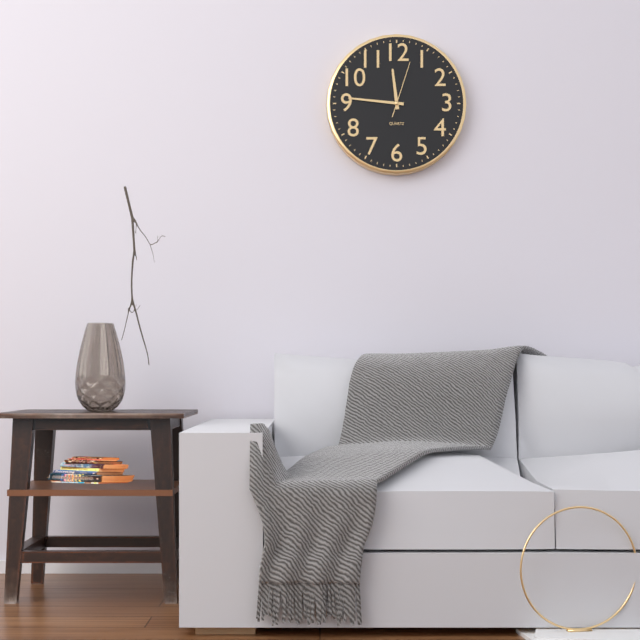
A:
11h46m03s
